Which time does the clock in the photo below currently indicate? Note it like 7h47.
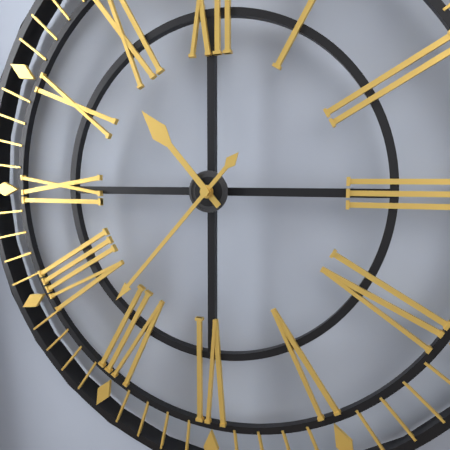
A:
10h37
